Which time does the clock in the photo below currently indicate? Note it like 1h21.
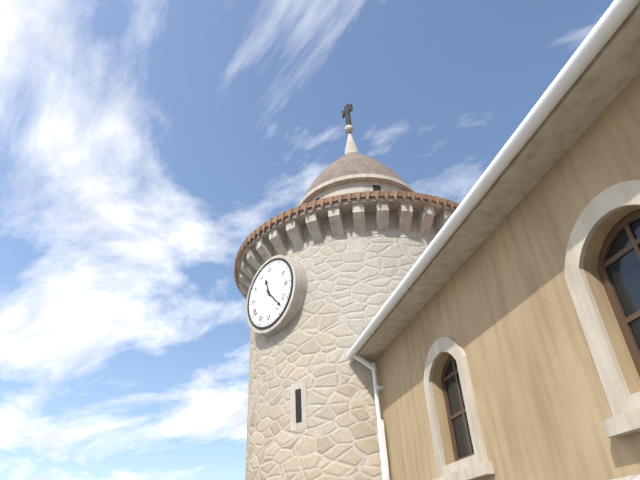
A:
11h23
